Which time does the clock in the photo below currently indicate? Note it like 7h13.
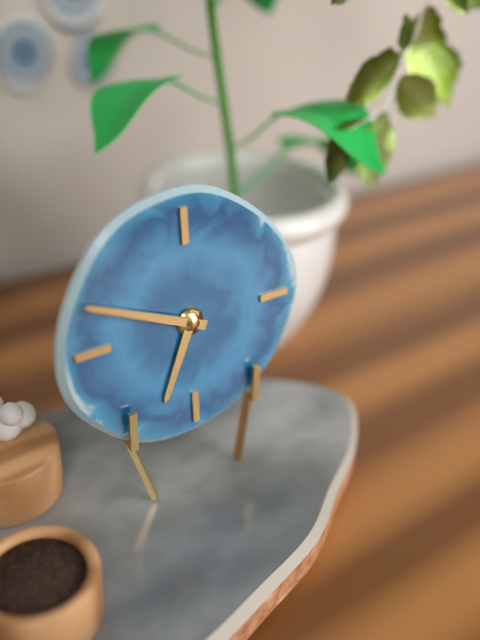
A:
6h49
